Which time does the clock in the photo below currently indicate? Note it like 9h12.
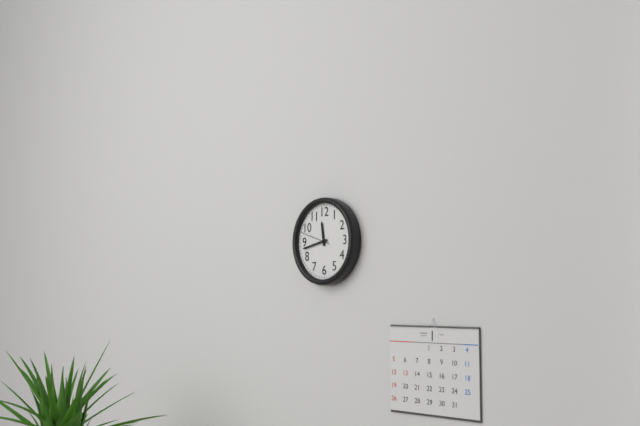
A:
11h43
